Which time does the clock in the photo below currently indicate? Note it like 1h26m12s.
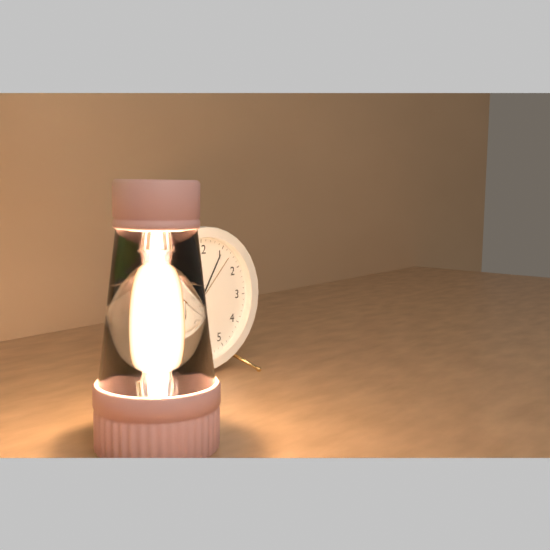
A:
11h05m07s
